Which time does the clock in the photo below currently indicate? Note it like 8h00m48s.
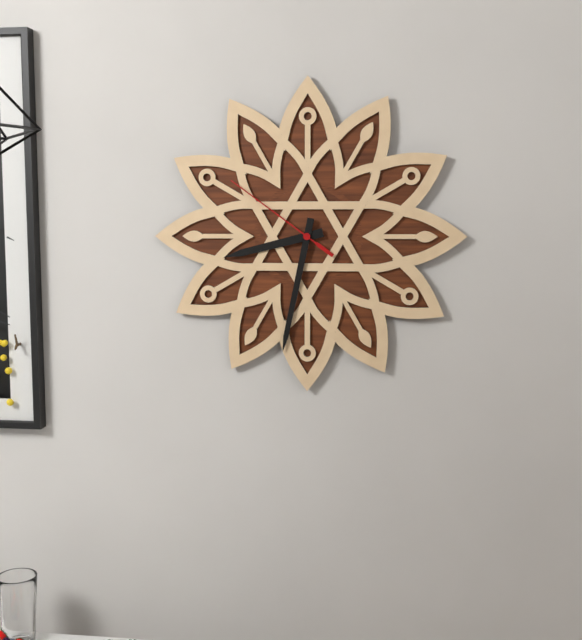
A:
8h32m51s
